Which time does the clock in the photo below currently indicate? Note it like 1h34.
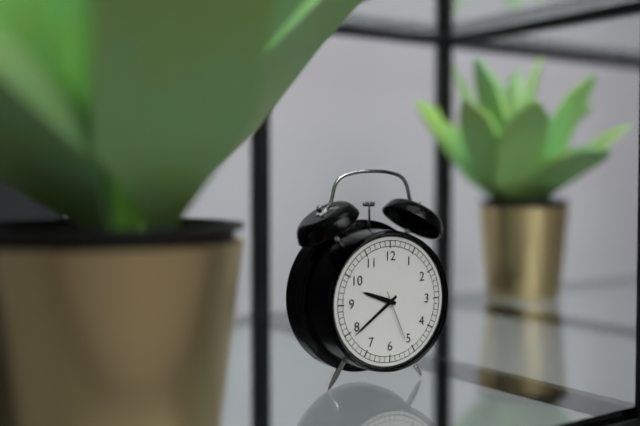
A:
9h39
